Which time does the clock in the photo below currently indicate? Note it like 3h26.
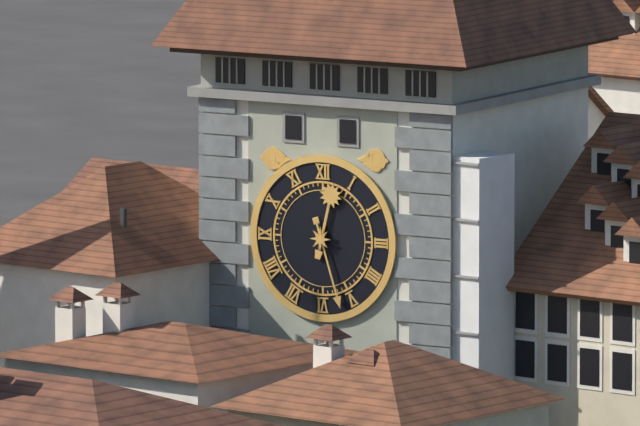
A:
12h27
